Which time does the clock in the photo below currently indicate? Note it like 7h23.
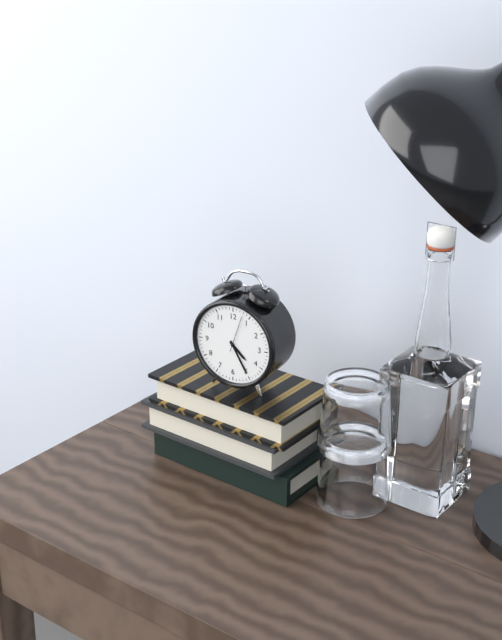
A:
4h25
